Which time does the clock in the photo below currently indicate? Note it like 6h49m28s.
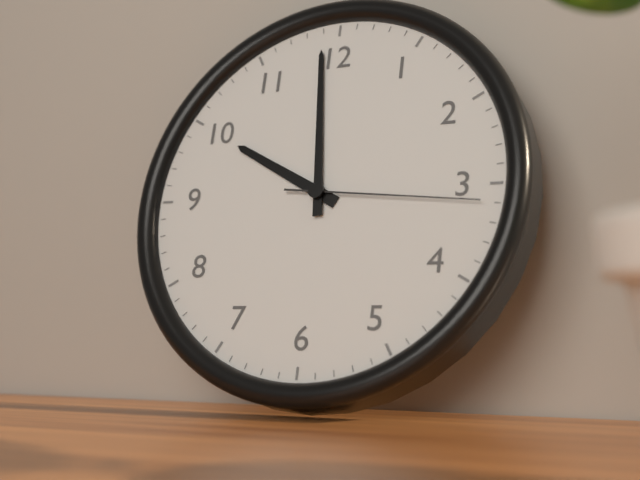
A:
9h59m16s
